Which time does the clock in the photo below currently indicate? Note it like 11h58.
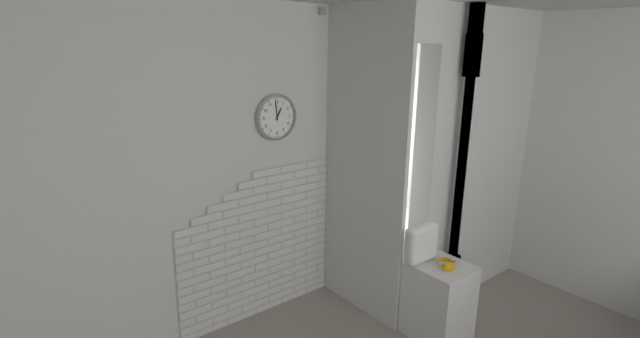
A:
12h59
